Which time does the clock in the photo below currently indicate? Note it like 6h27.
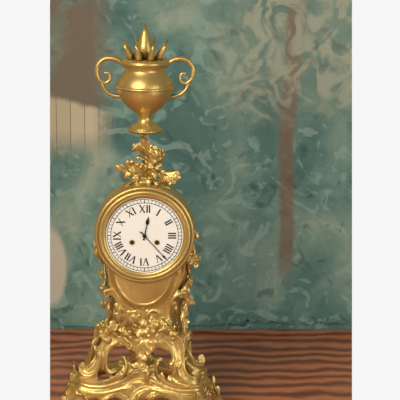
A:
12h23
